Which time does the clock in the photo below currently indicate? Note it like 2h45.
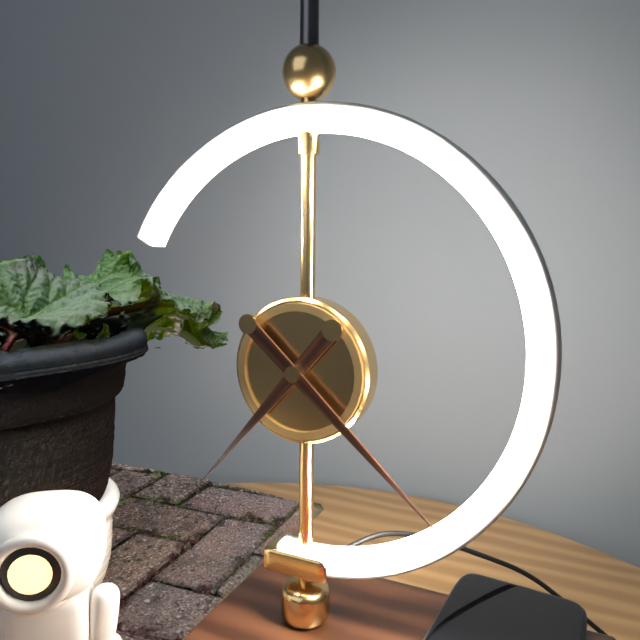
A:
7h22
